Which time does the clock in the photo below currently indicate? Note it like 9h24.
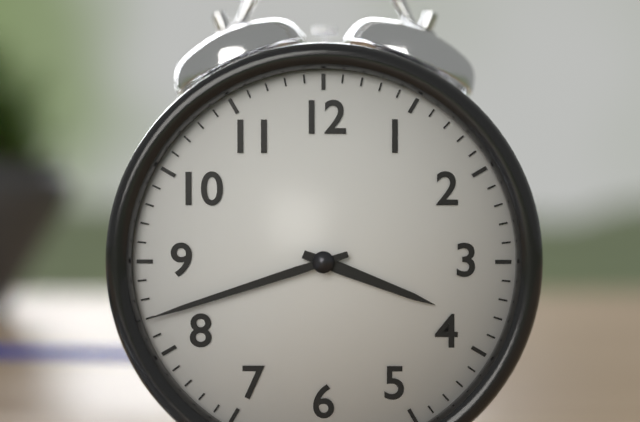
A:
3h42
